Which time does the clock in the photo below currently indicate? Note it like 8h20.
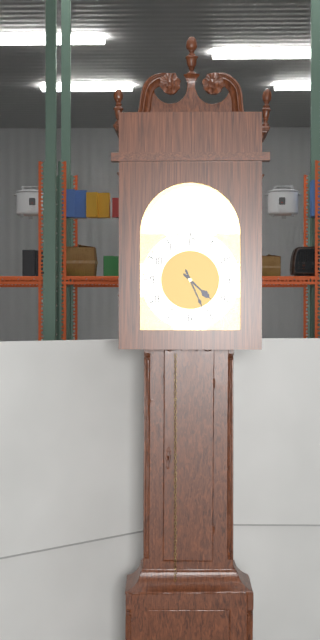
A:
4h26
